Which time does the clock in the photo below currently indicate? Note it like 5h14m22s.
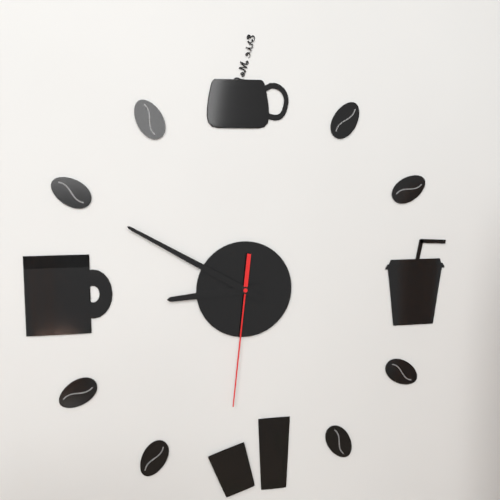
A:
8h50m31s
